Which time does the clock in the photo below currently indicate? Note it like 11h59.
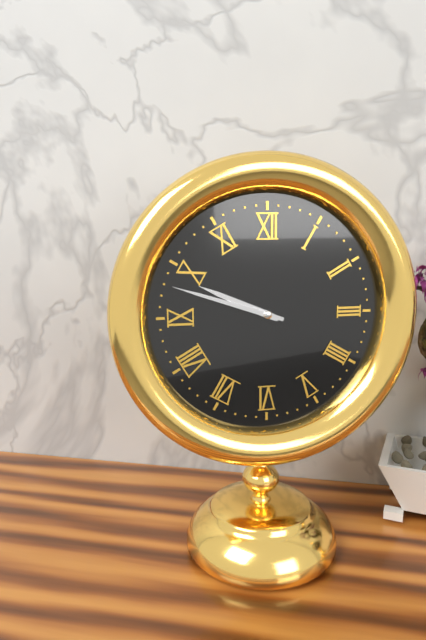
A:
9h48
